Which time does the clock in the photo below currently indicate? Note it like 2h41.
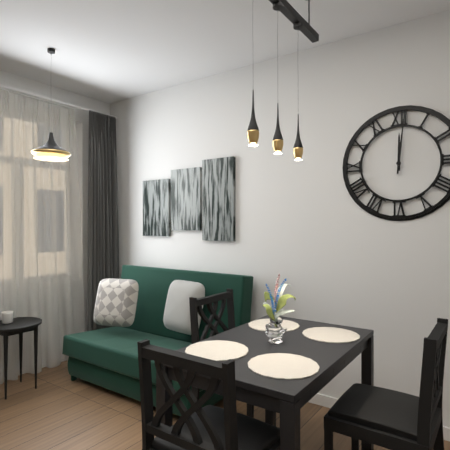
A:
12h01
